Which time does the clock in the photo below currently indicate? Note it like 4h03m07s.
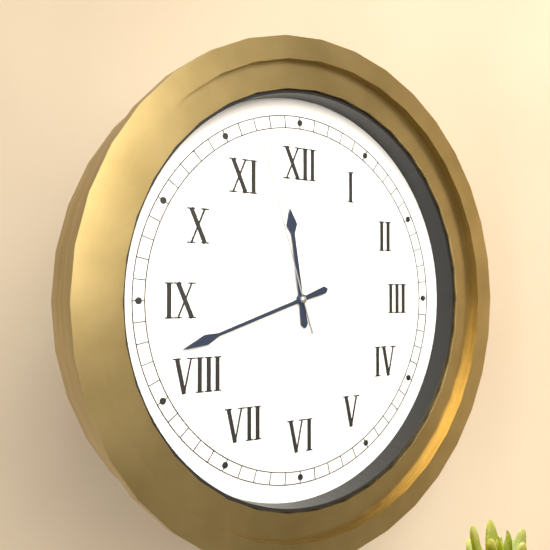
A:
11h42m57s
